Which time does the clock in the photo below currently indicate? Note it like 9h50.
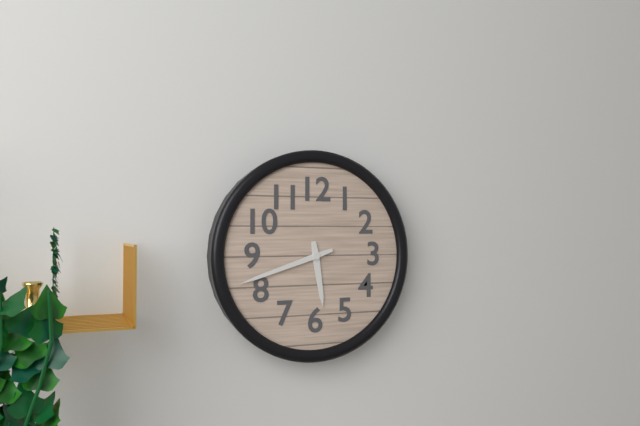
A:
5h42
